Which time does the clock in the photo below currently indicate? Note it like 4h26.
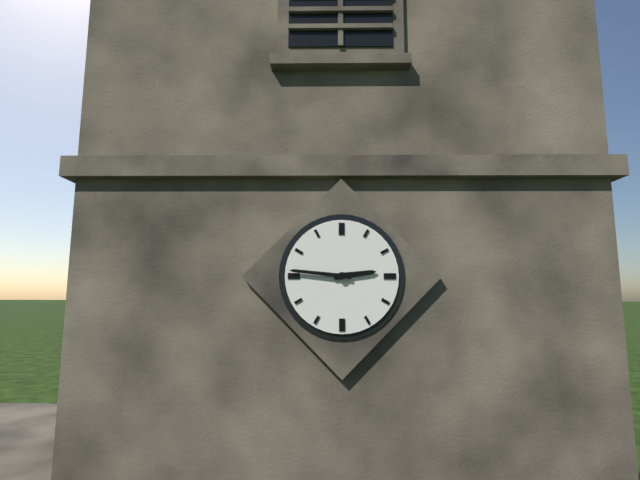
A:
2h46
